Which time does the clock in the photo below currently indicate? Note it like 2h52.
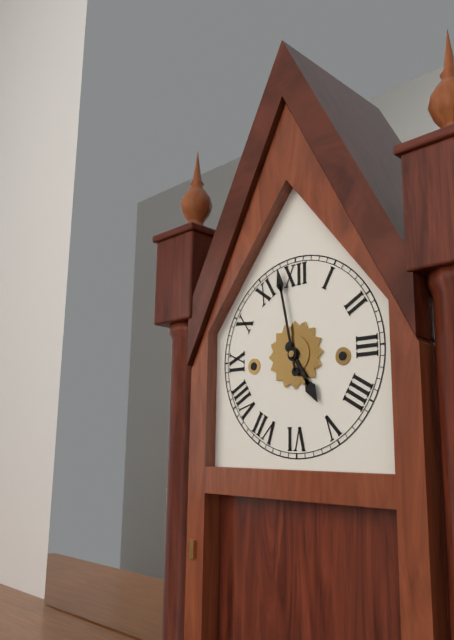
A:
4h58
